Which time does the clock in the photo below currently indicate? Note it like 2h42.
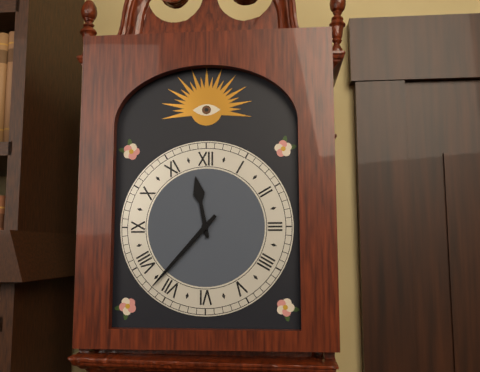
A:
11h37
